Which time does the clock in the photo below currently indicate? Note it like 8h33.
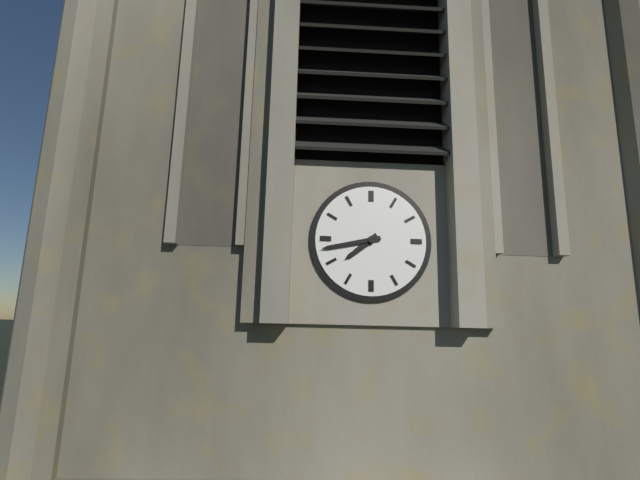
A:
7h43
